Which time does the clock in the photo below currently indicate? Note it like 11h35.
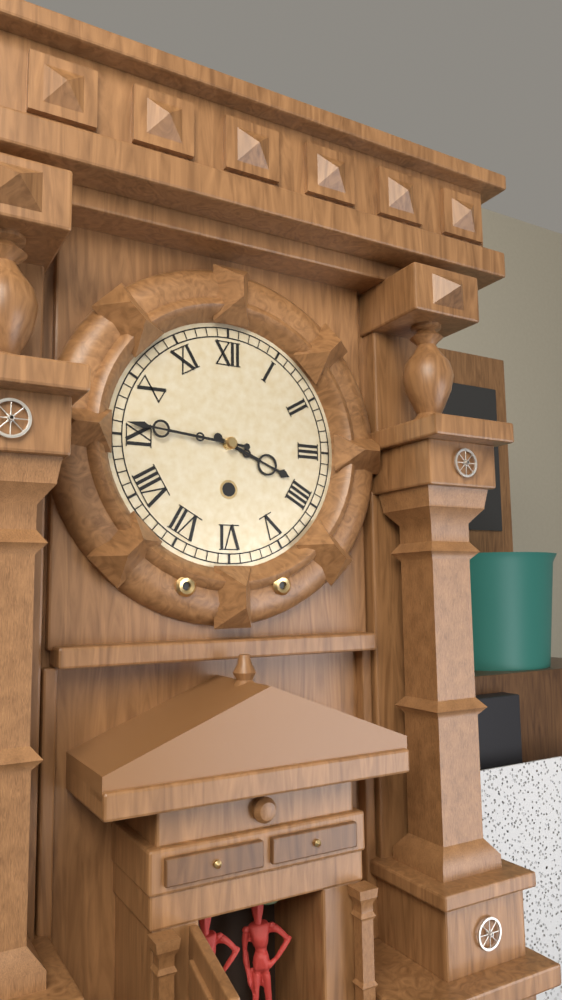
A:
3h46
